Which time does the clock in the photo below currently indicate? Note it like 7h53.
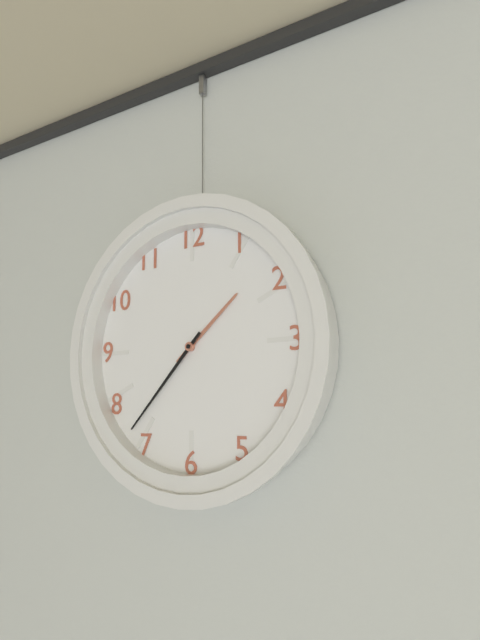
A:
1h37
